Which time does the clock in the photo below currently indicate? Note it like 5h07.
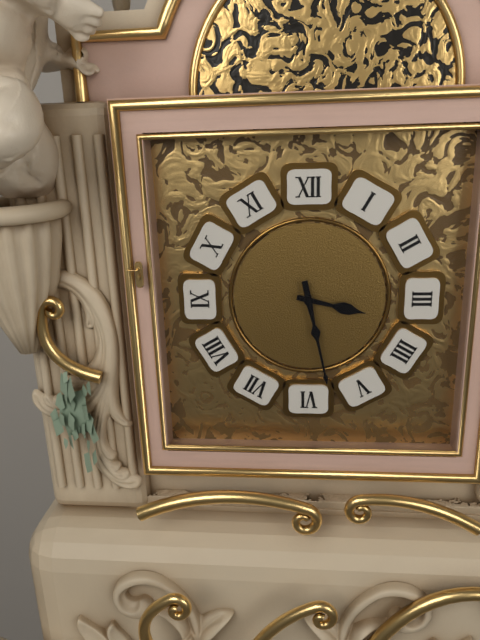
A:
3h28
